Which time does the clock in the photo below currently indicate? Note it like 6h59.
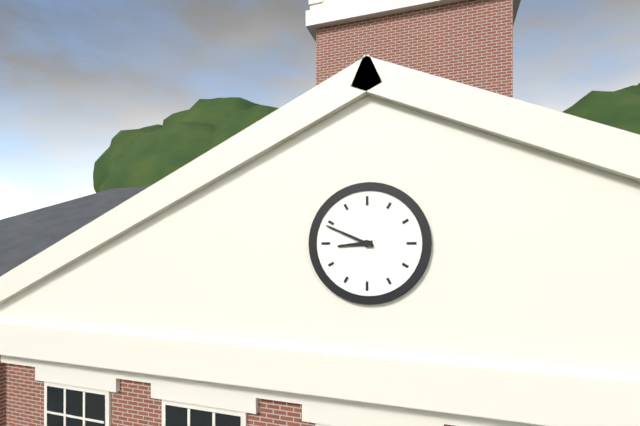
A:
8h49
